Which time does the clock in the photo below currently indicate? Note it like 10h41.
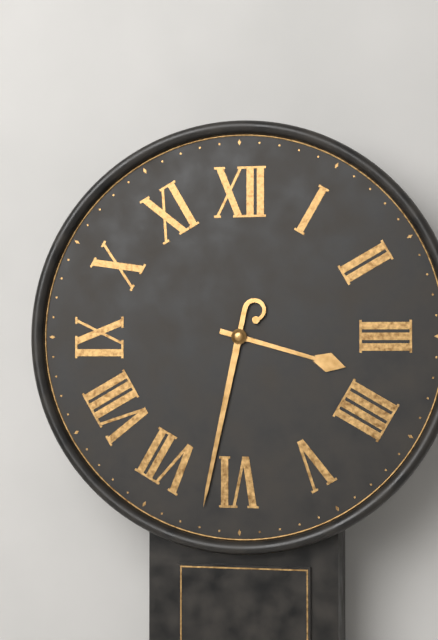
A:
3h32
